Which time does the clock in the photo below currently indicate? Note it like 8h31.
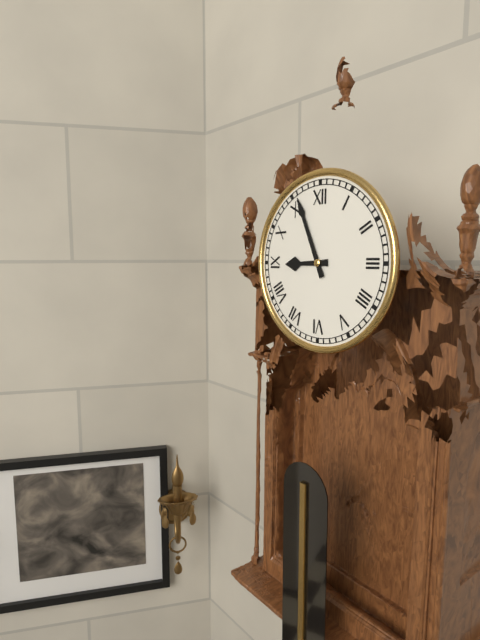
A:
8h56
